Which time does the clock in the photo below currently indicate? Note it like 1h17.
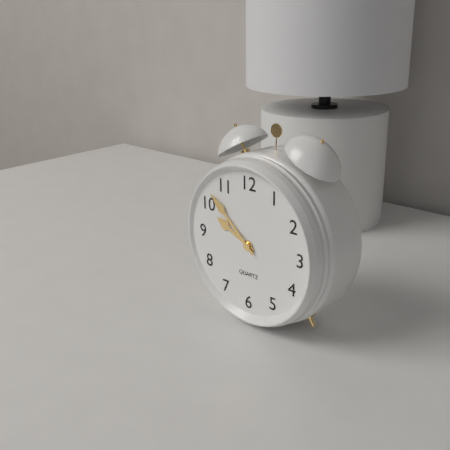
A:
9h52
